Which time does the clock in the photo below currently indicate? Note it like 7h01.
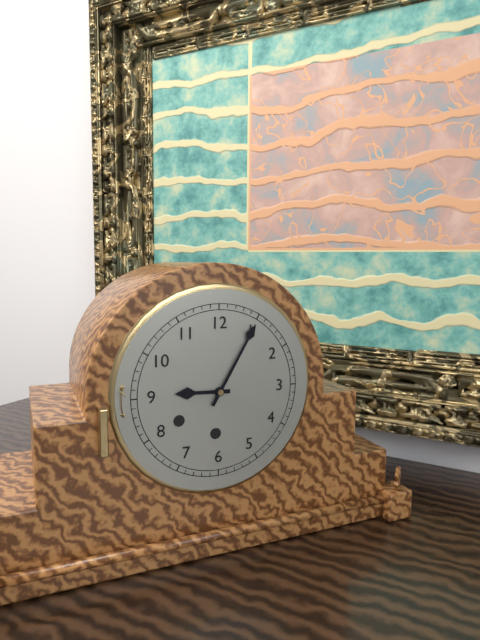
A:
9h05
